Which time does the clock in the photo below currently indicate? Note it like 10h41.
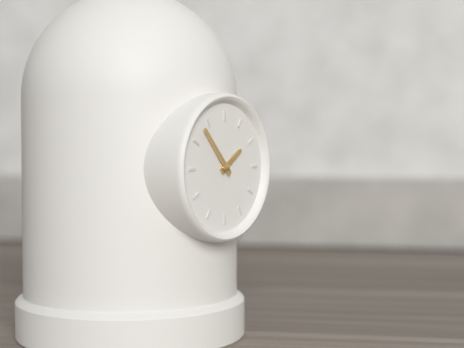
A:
1h53
